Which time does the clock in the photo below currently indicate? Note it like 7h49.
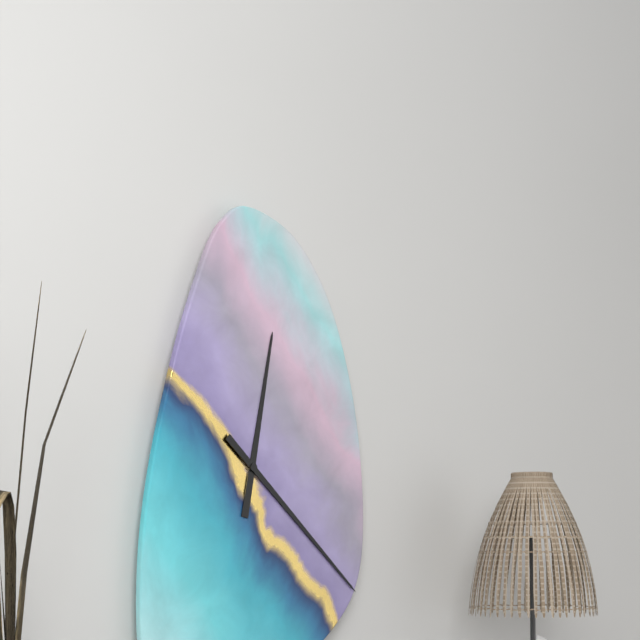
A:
12h22
